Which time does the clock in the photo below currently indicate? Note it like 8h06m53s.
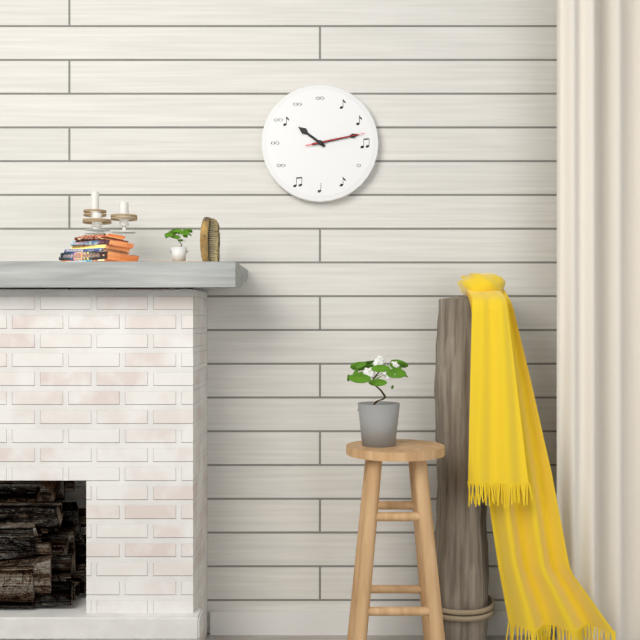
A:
10h13m13s
